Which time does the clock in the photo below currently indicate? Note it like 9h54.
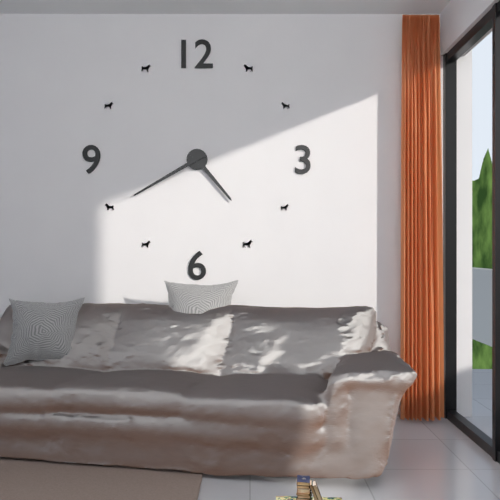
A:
4h40
